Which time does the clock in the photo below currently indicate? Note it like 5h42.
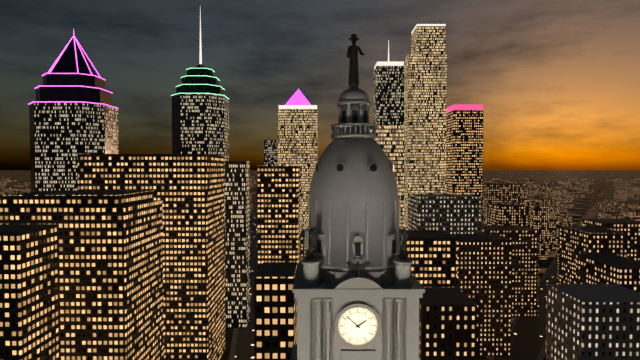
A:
1h52
